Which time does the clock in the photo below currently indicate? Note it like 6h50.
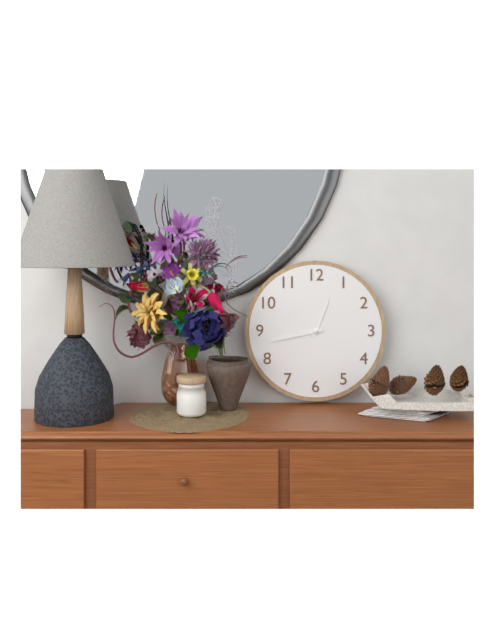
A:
12h43
